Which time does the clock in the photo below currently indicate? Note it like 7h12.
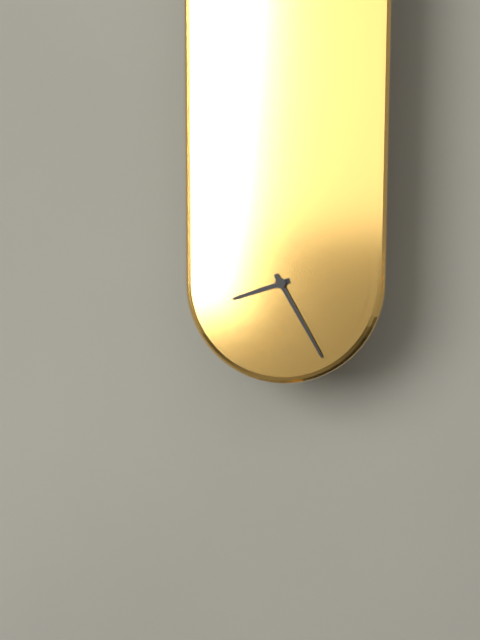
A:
8h25
